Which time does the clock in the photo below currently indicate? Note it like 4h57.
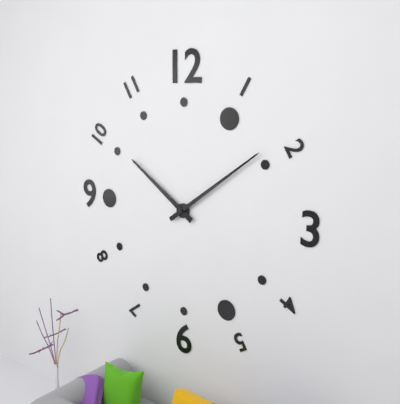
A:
10h09
